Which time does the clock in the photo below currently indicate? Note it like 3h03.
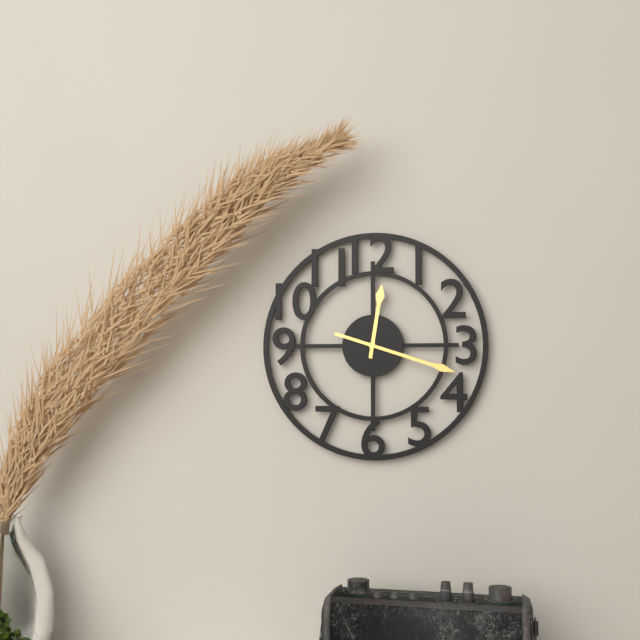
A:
12h18
